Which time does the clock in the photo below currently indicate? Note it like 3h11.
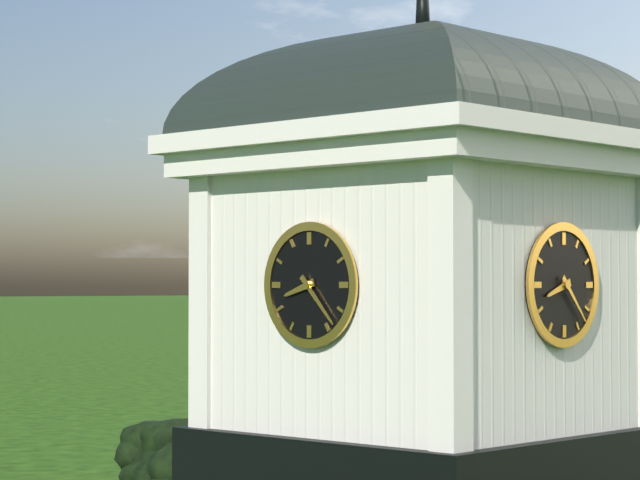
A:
8h23
